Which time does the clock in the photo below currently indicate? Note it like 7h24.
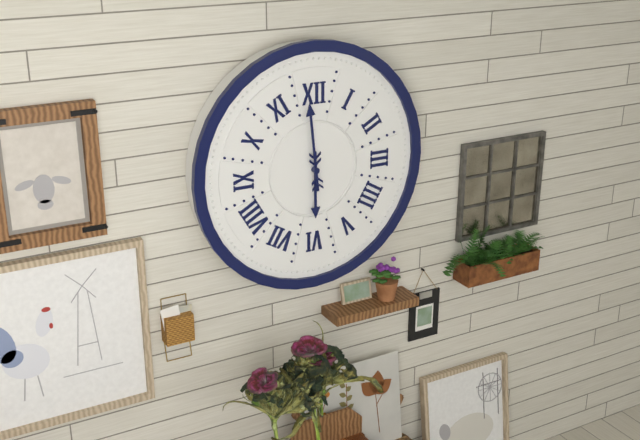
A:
5h59
